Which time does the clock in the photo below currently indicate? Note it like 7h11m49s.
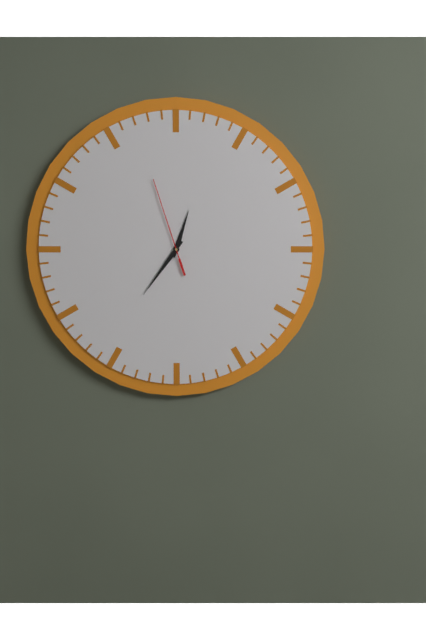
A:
12h36m57s
